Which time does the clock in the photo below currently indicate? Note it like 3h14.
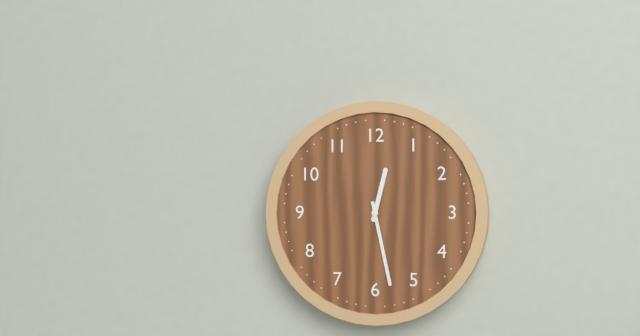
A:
12h28
